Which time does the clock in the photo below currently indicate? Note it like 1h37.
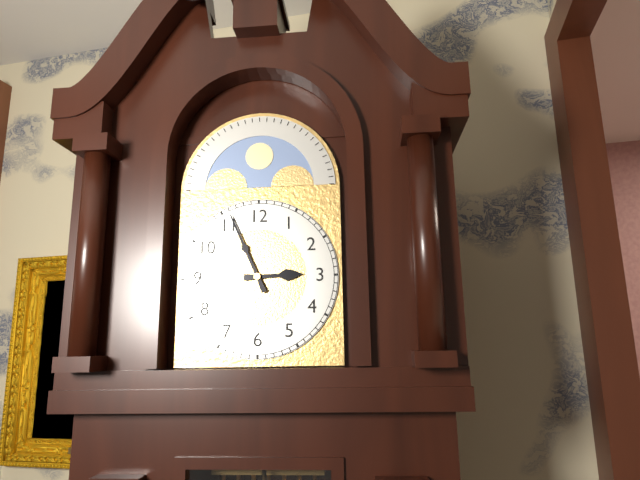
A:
2h56
